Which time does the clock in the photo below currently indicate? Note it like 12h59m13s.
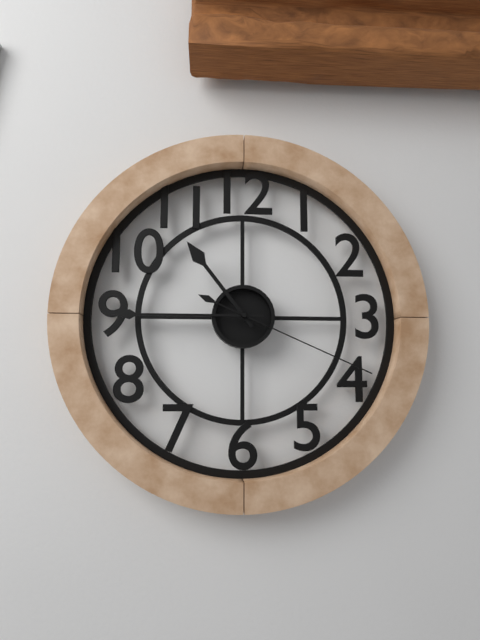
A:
10h45m19s
